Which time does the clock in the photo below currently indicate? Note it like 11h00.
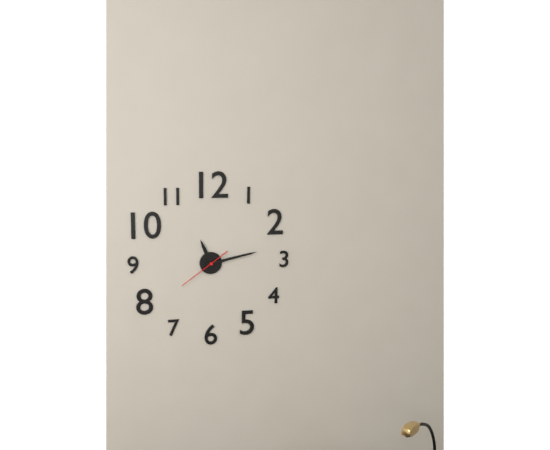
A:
11h13
